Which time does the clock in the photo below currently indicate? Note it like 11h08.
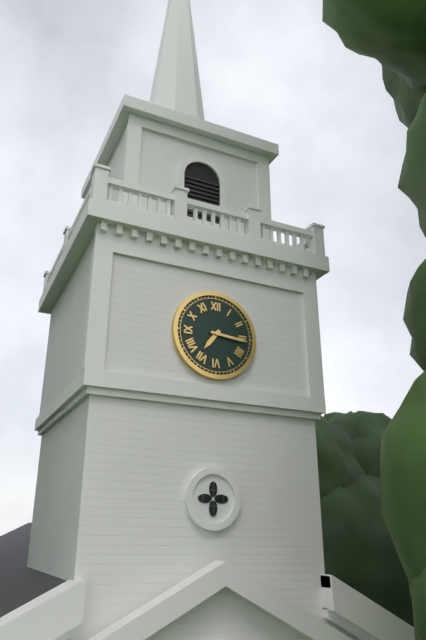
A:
7h16
